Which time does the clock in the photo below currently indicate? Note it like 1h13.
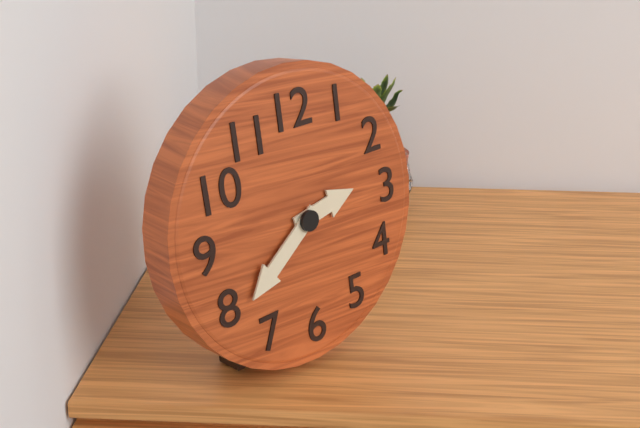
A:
2h39
